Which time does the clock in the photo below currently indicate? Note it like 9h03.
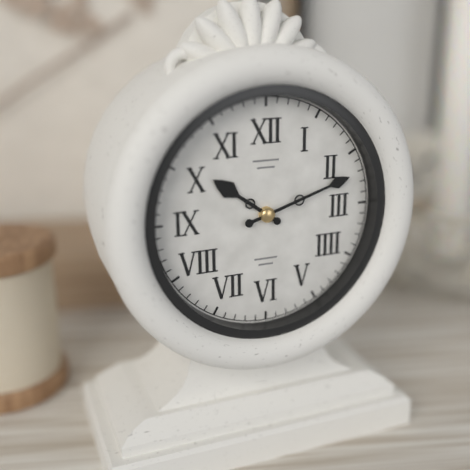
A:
10h12
